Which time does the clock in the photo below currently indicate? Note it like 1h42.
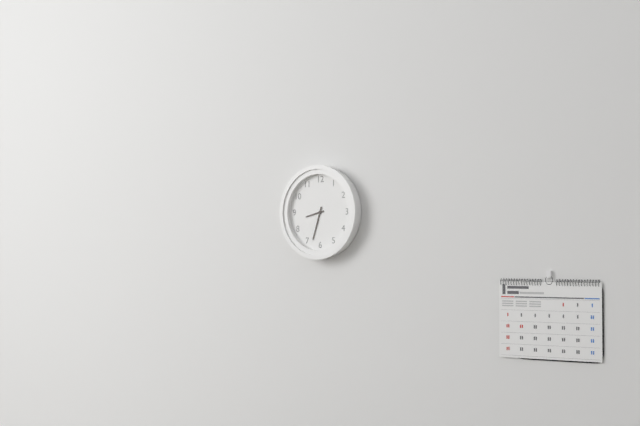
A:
8h33
